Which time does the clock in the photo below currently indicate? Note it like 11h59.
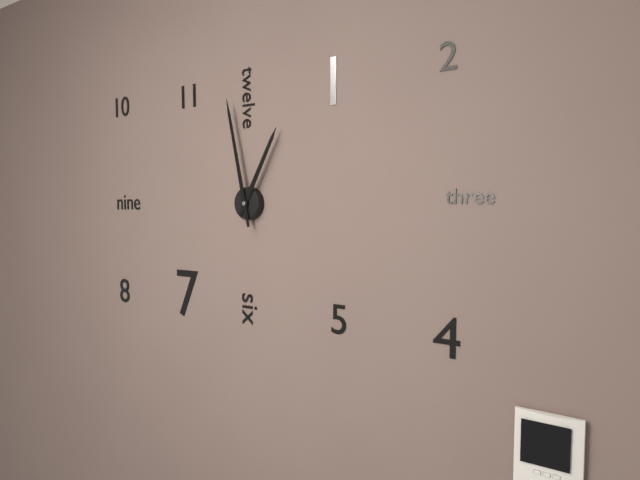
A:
12h58
